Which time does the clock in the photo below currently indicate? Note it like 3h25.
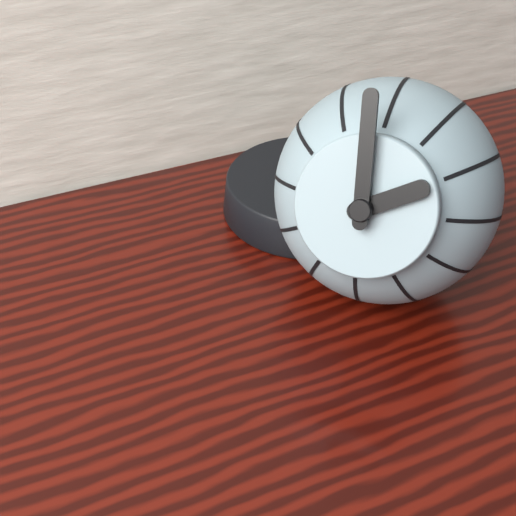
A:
1h59
